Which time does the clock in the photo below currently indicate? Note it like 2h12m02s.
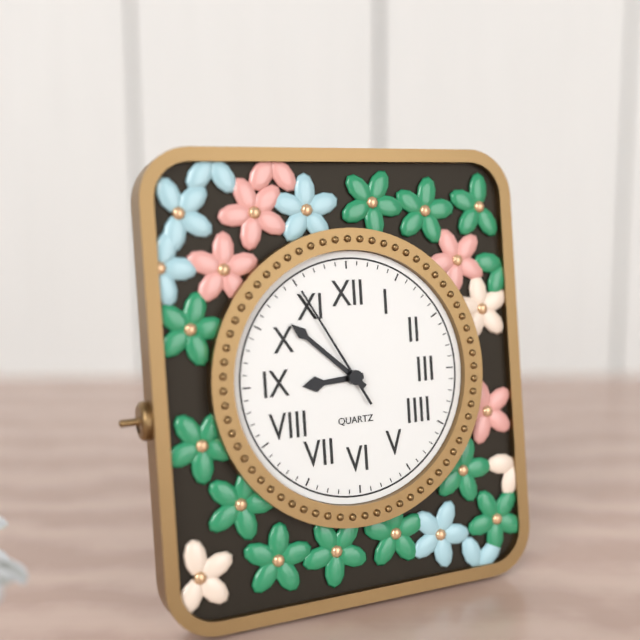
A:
8h52m55s
